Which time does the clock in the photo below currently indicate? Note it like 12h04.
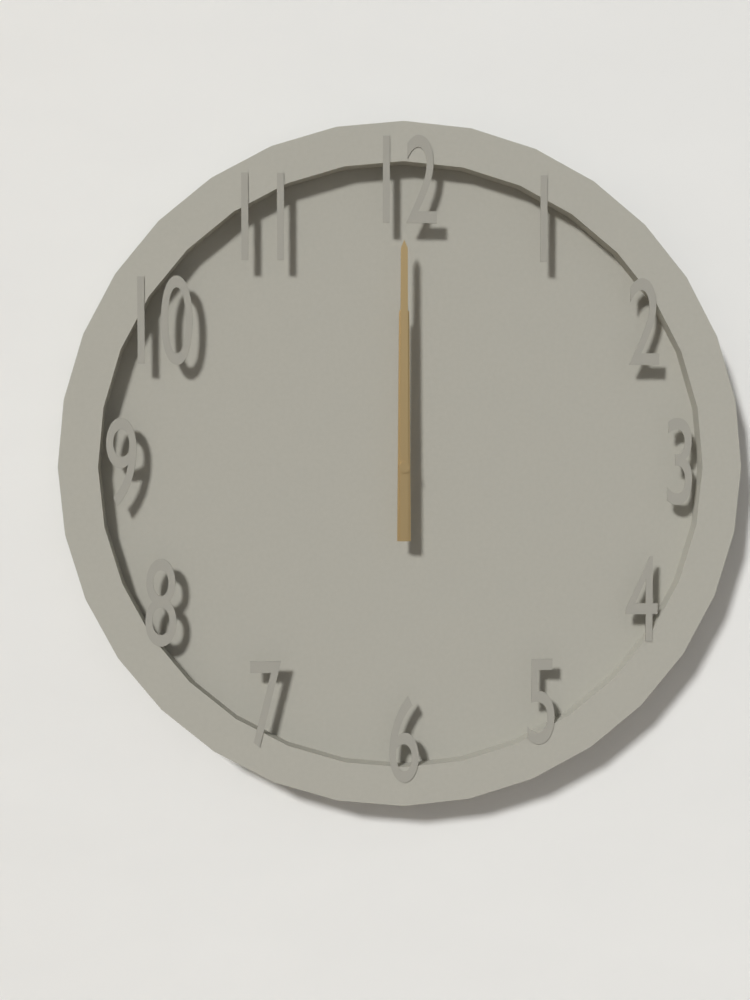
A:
12h00
